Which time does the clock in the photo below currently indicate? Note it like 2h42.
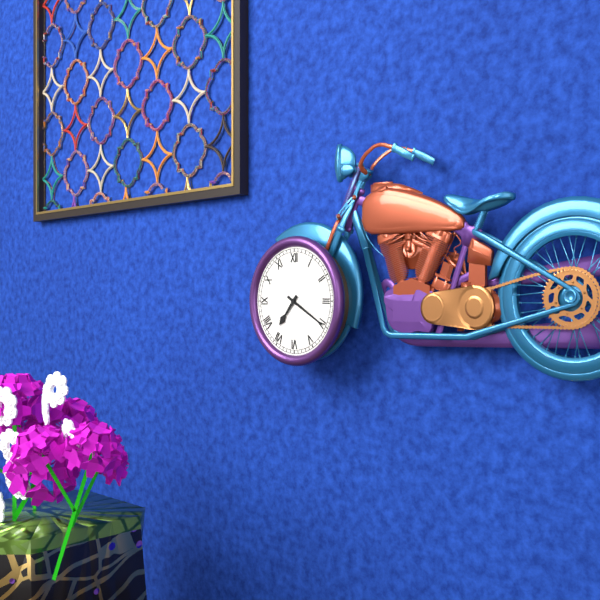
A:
7h20
